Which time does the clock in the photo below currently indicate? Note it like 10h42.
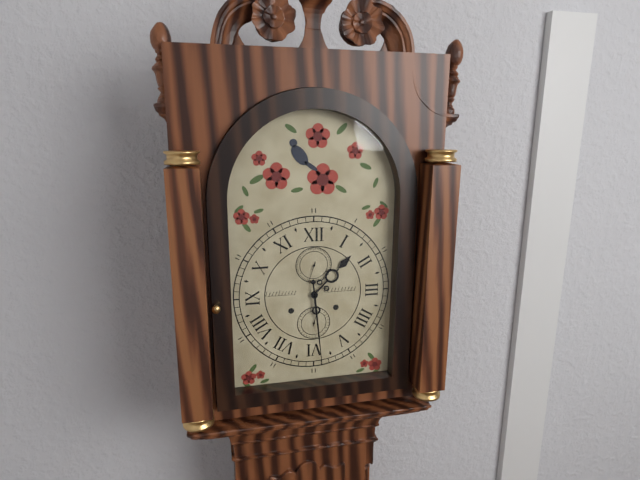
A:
1h29
